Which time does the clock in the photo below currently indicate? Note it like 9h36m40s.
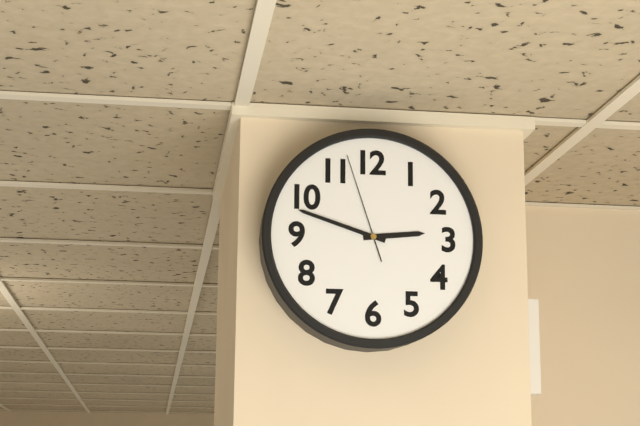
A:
2h48m57s
